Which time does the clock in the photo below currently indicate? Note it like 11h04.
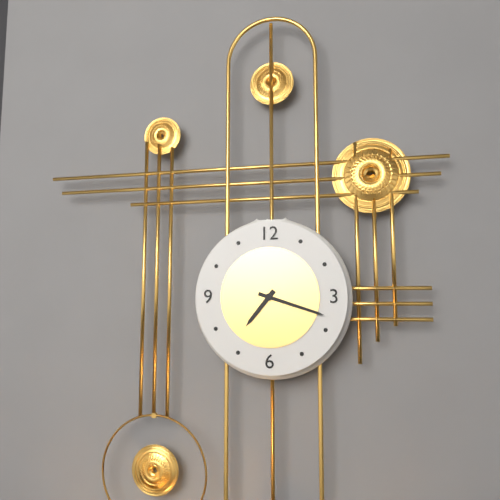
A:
7h18
